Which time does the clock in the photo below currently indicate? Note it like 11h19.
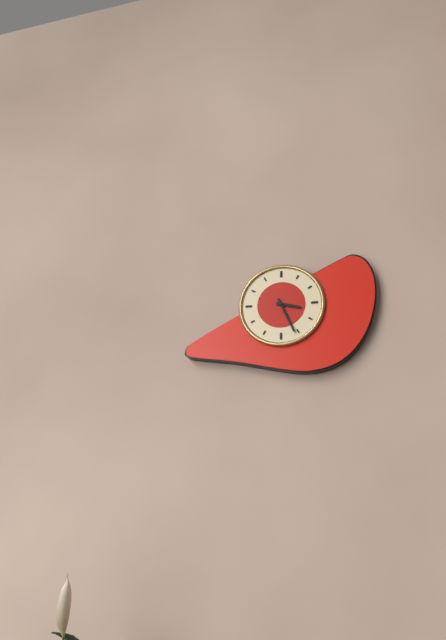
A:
3h26
